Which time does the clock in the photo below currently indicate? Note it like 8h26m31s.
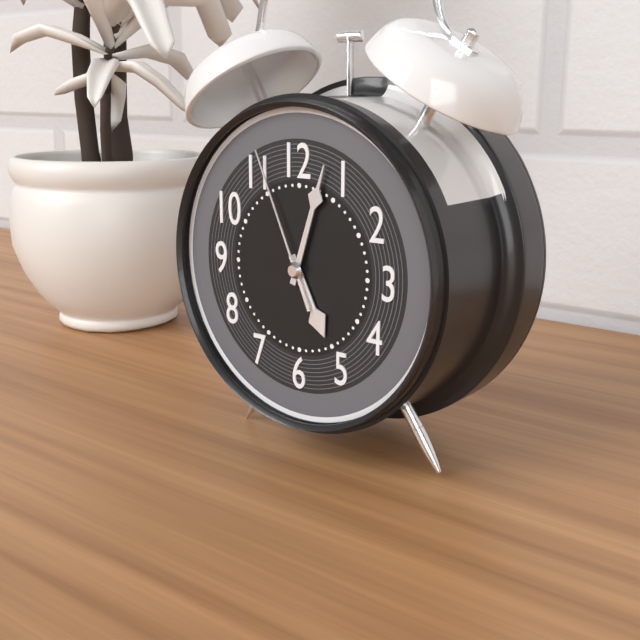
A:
5h03m56s
